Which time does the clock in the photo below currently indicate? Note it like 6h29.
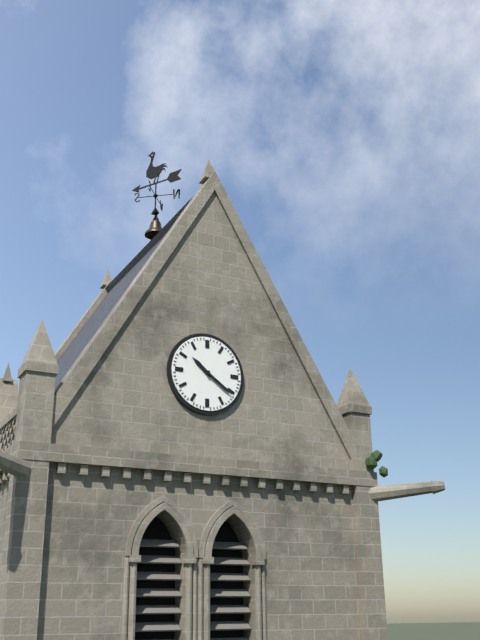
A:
10h21
